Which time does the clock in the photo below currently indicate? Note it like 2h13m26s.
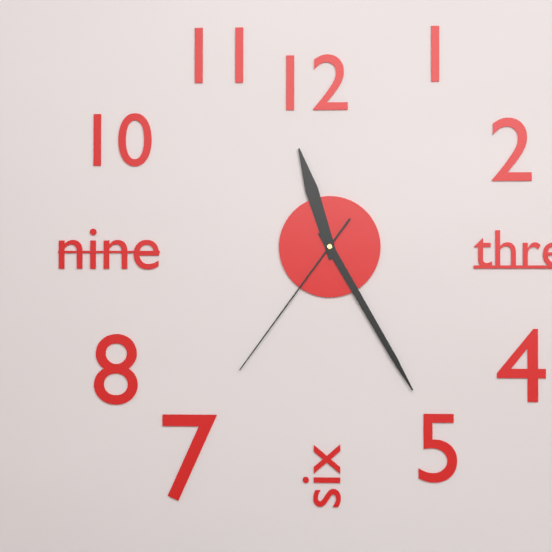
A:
11h25m36s
